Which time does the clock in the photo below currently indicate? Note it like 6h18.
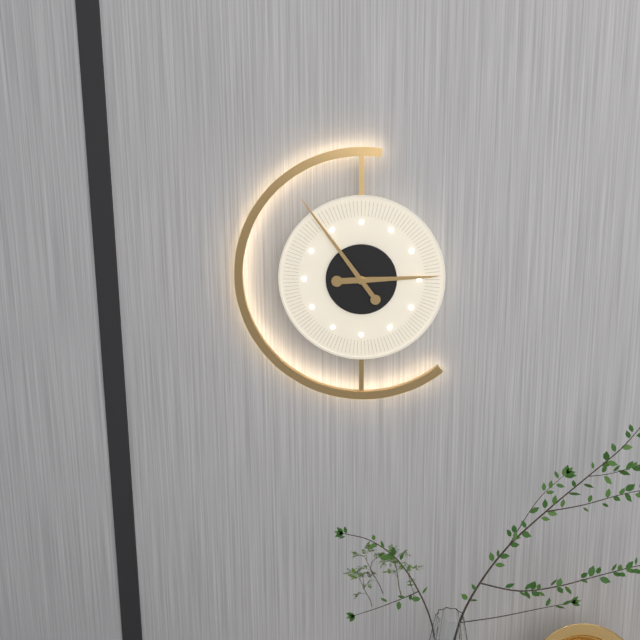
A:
2h54
